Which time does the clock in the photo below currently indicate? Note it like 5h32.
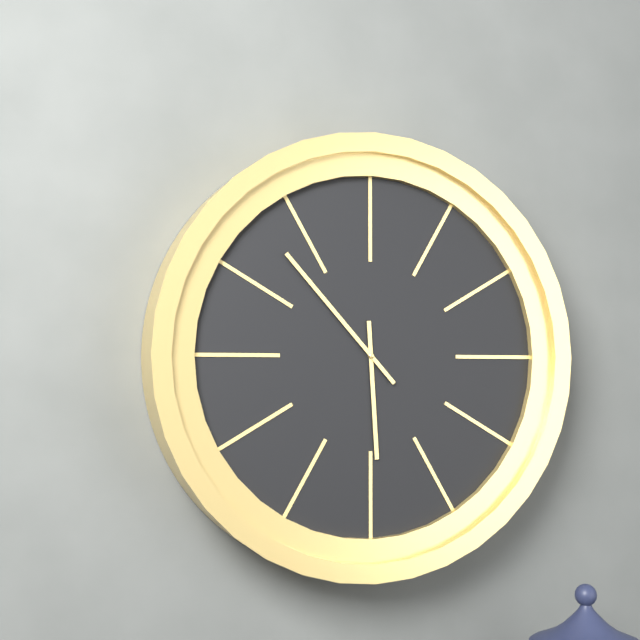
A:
5h53
